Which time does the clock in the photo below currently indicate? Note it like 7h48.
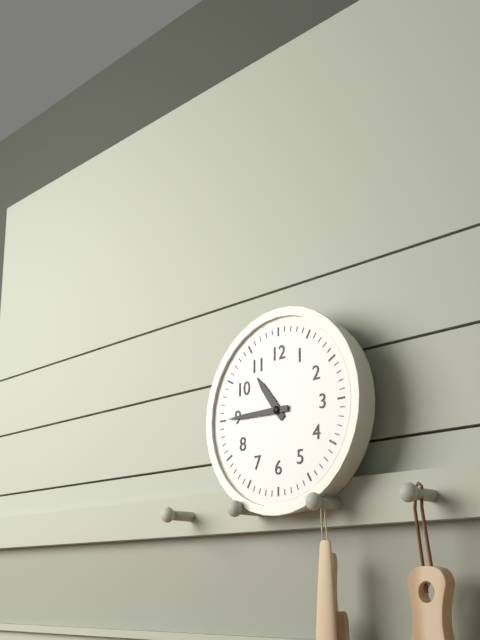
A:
10h45
